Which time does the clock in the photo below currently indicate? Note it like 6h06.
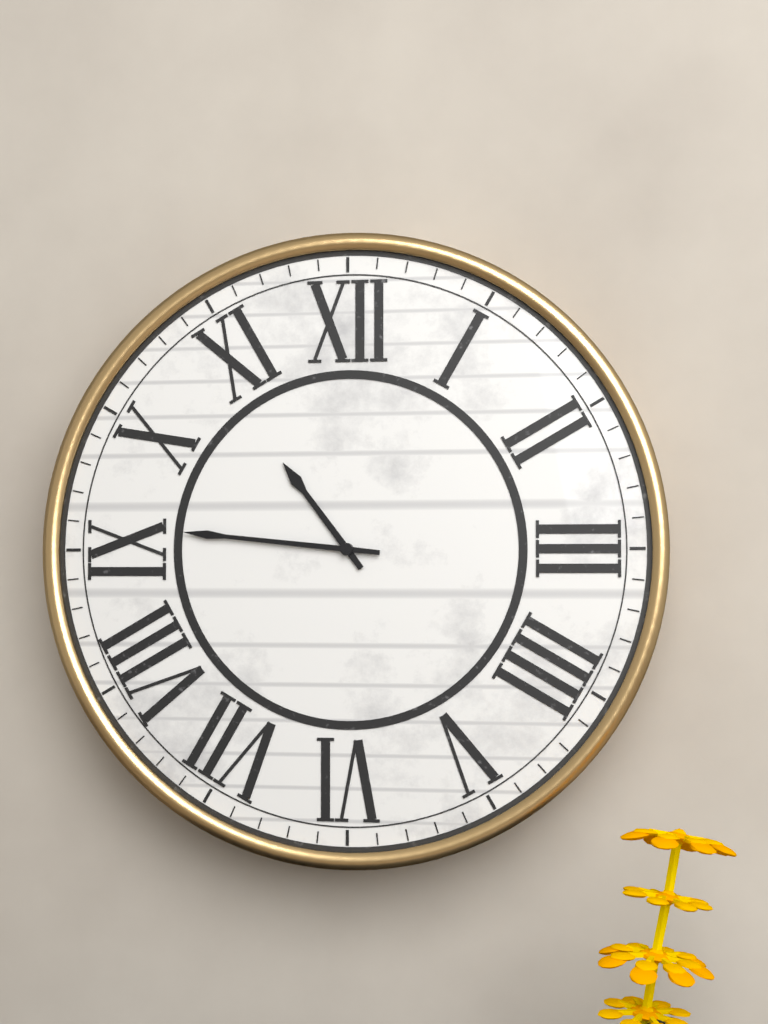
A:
10h46
